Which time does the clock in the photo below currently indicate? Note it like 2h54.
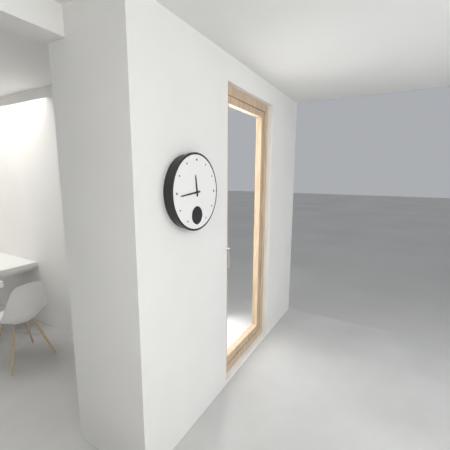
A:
11h44
